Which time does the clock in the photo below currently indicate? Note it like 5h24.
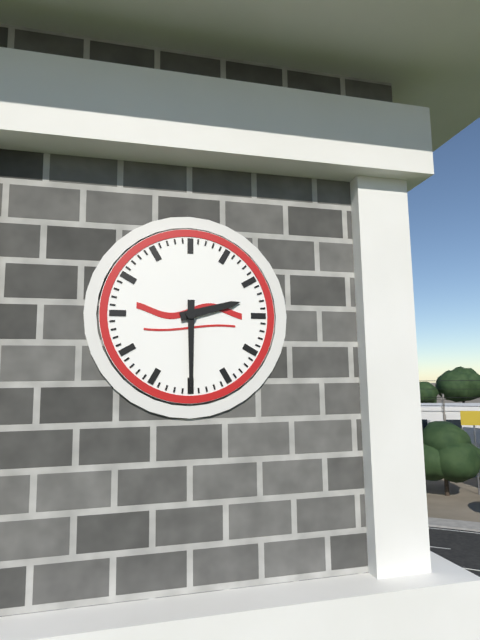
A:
2h30
